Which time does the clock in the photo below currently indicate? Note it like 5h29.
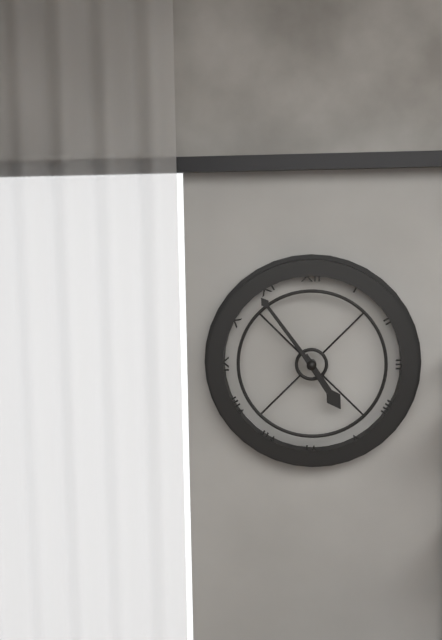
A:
4h54
